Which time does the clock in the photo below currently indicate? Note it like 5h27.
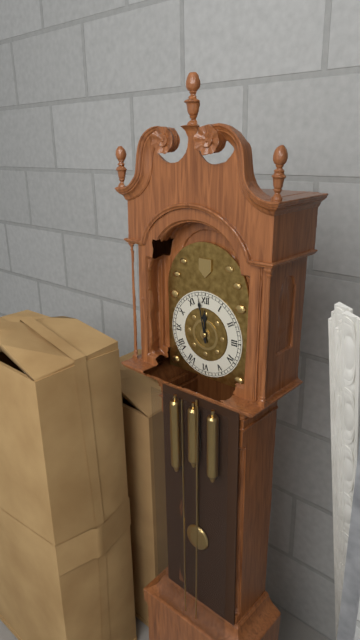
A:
11h58
